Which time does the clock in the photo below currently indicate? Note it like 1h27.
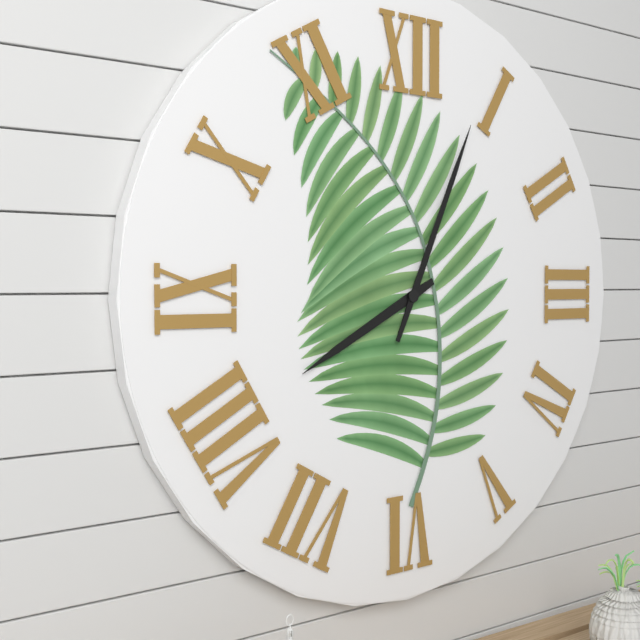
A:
8h04
